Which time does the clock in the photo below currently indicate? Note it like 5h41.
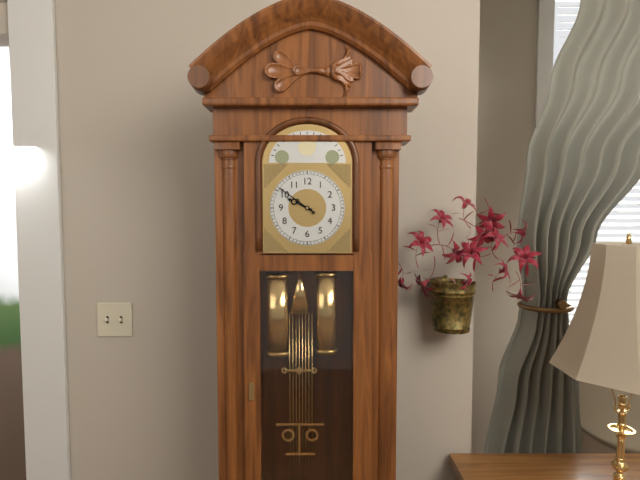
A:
9h51
